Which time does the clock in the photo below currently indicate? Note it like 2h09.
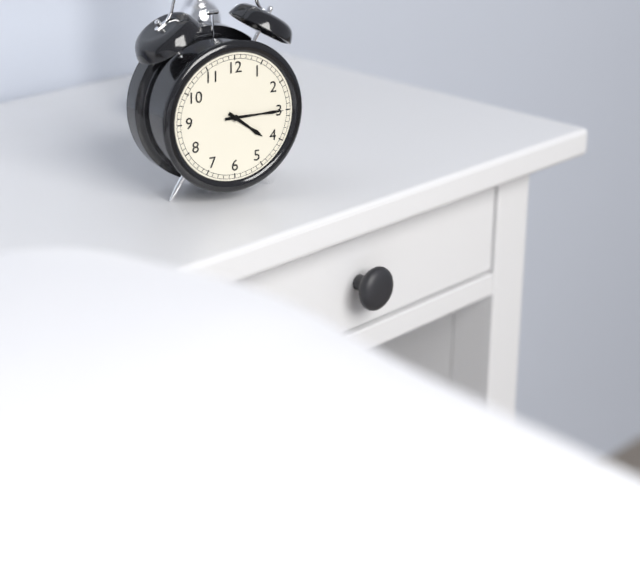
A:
4h15
